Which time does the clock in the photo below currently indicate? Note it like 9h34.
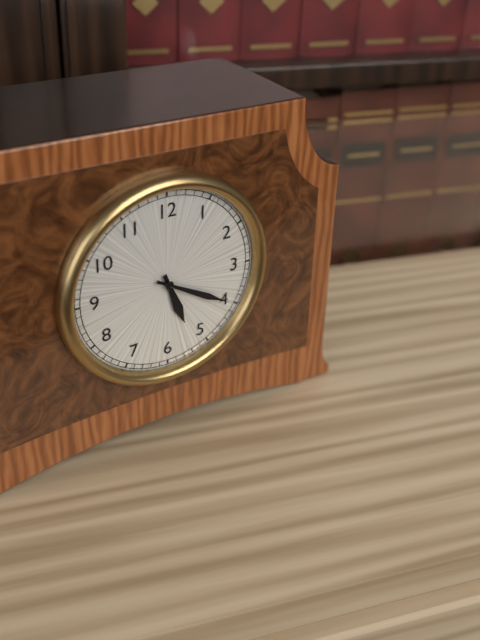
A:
5h20
